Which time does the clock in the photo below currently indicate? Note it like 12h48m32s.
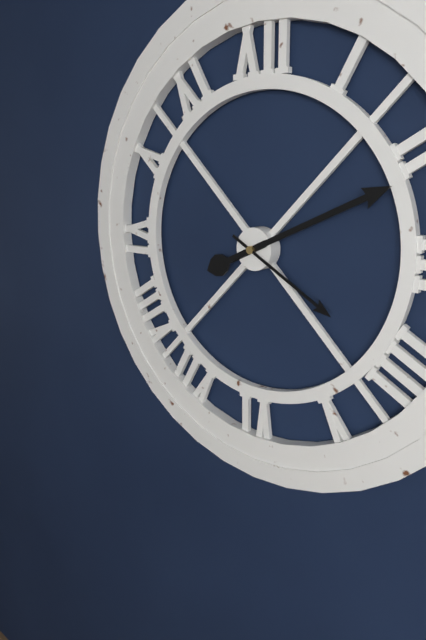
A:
8h11m20s
